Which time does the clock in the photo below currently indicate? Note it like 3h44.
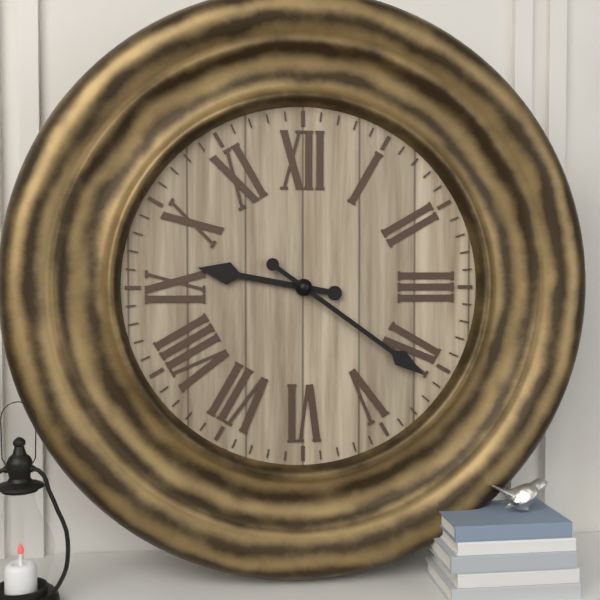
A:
9h21
